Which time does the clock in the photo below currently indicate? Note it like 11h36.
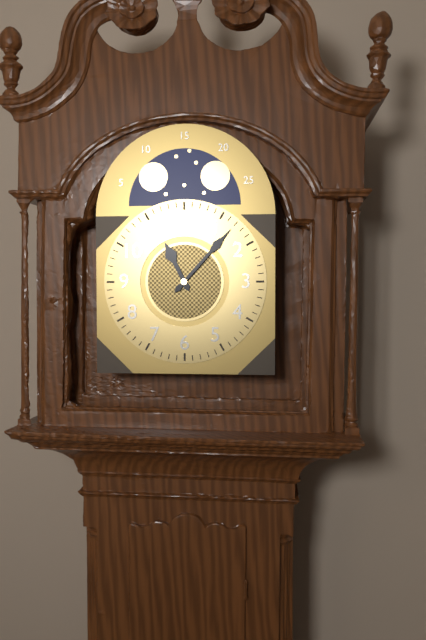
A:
11h07
